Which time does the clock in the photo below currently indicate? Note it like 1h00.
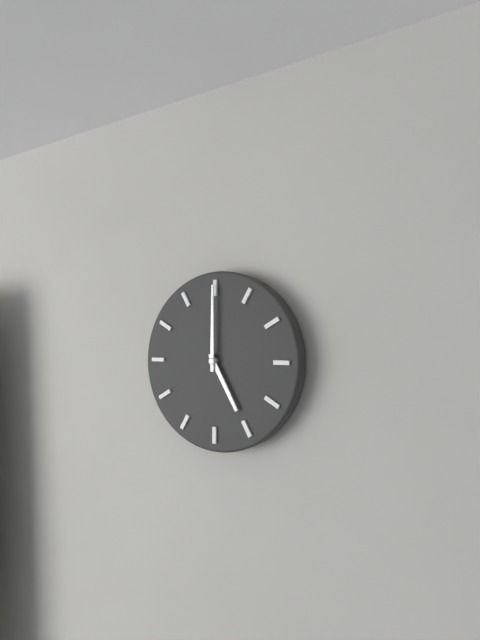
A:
5h00
